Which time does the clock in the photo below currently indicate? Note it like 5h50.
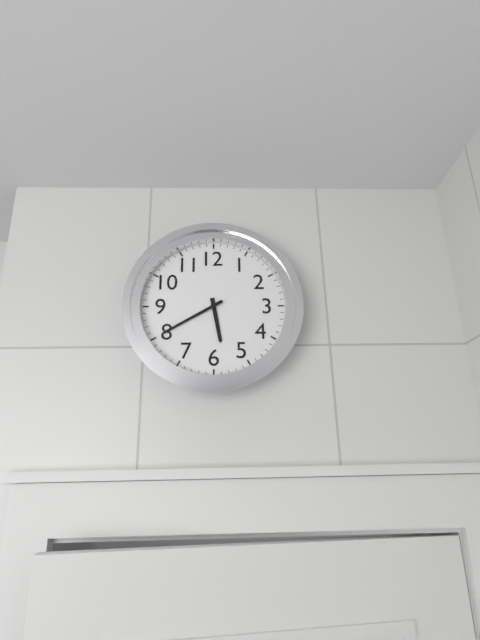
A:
5h40
